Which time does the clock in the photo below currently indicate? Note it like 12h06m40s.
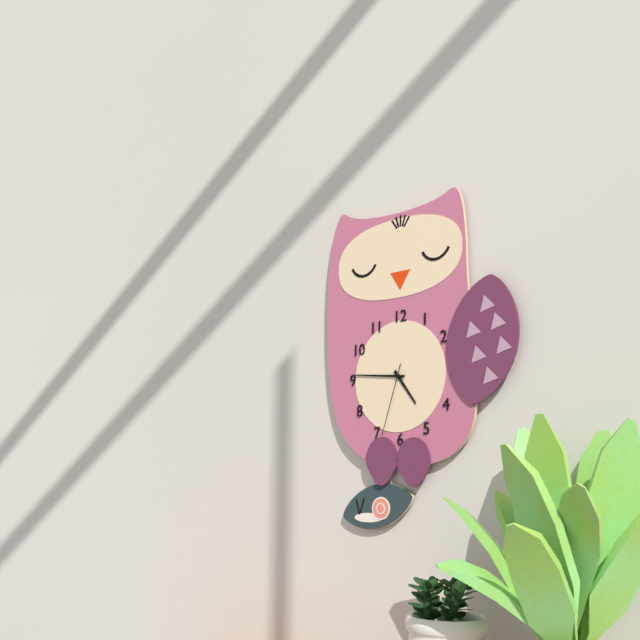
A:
4h46m33s
